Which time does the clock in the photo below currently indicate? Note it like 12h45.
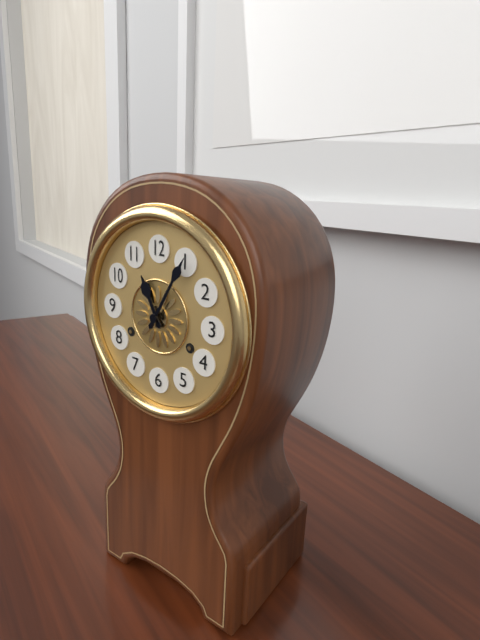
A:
11h05
